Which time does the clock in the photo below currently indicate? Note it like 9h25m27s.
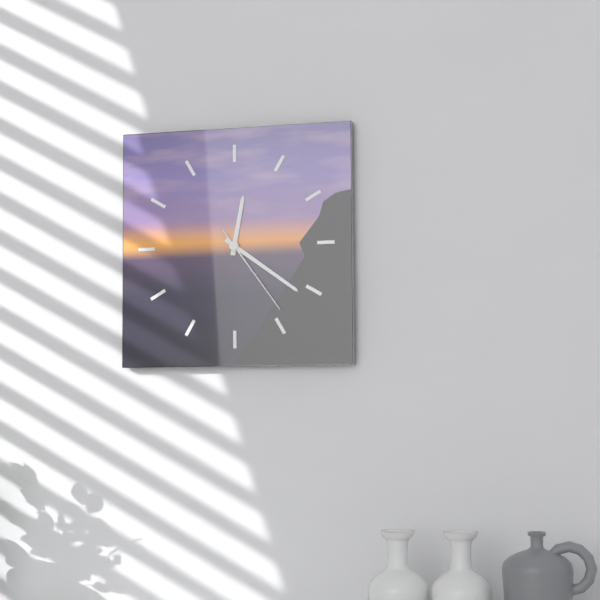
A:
12h21m24s
